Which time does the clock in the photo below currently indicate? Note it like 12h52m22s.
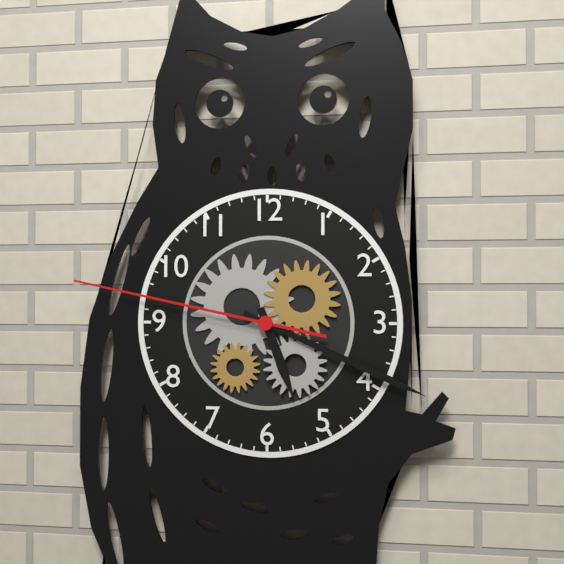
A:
5h19m47s
